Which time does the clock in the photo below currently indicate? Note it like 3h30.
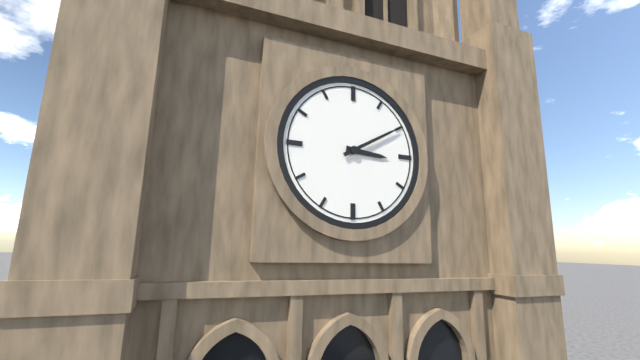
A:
3h10
